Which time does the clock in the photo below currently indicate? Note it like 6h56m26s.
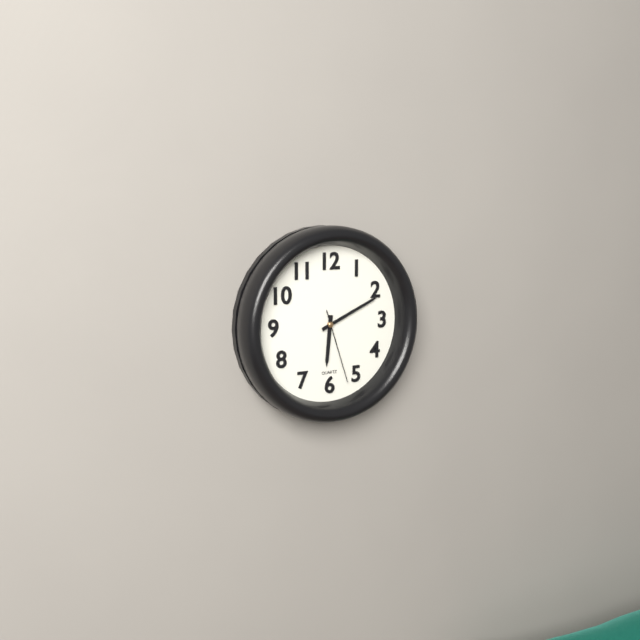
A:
6h11m27s
